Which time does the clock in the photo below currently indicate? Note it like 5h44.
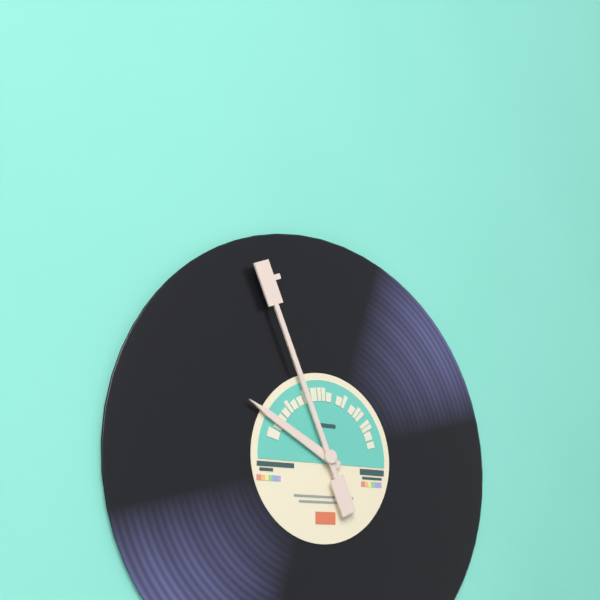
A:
9h56
